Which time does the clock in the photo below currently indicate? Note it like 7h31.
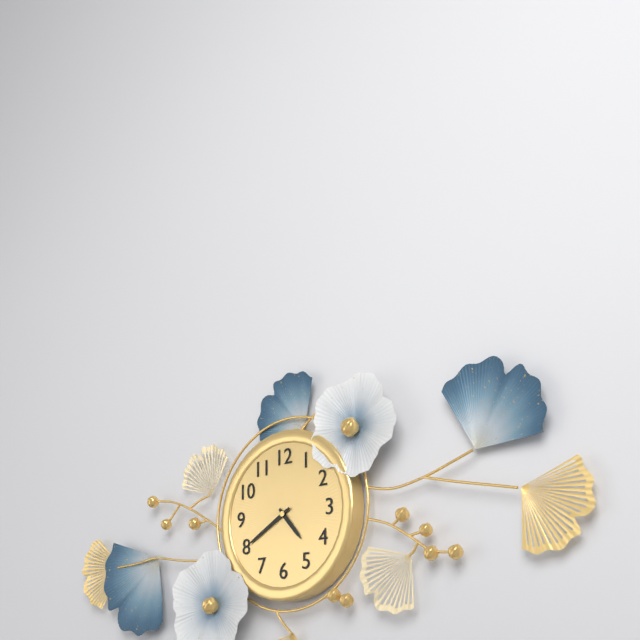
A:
4h40
